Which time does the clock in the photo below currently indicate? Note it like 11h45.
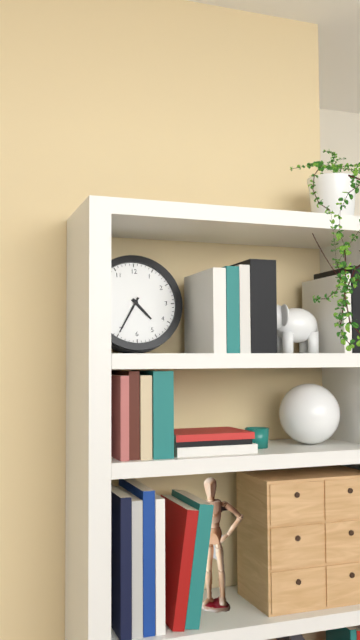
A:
4h35
